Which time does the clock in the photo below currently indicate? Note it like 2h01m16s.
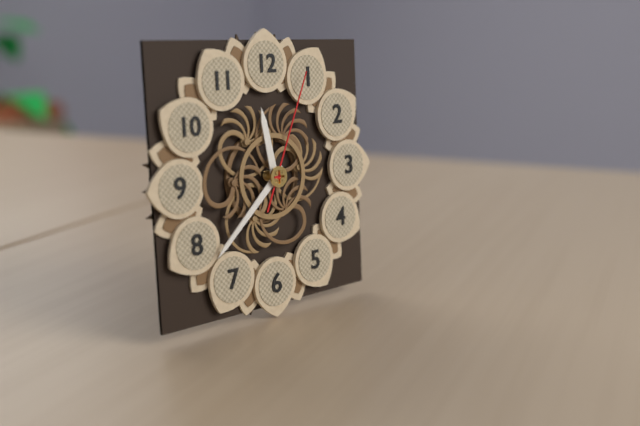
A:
11h38m04s
